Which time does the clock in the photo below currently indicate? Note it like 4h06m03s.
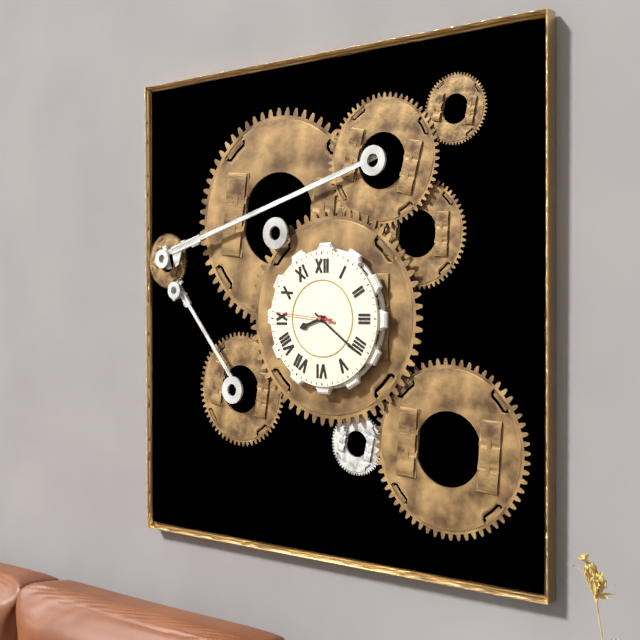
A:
8h21m46s
